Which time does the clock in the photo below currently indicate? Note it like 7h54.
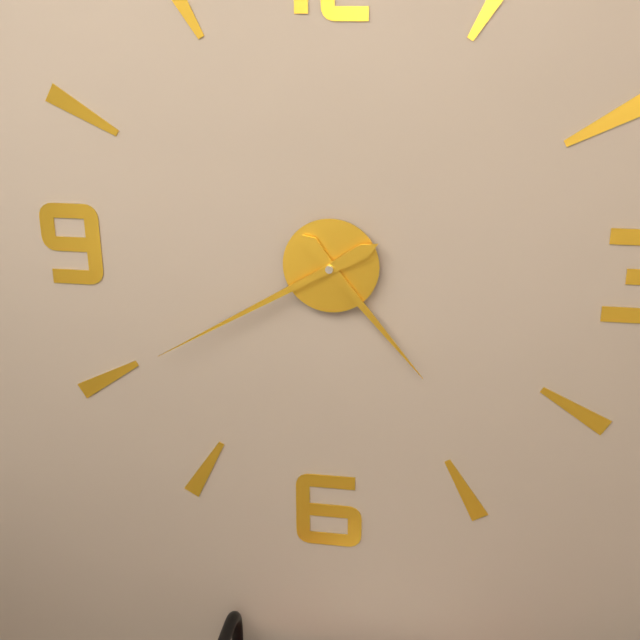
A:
4h40
